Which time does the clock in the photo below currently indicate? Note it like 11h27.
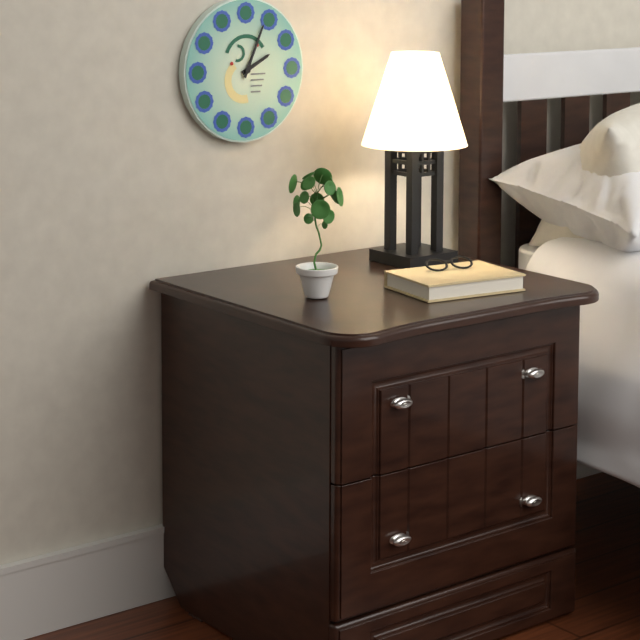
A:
2h04
